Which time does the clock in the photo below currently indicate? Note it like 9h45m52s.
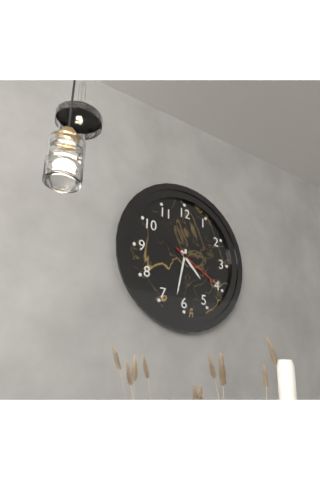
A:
4h32m20s
